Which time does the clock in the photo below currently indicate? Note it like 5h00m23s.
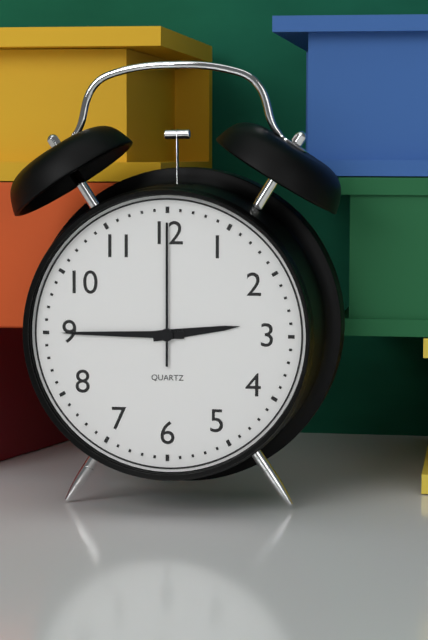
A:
2h45m00s
